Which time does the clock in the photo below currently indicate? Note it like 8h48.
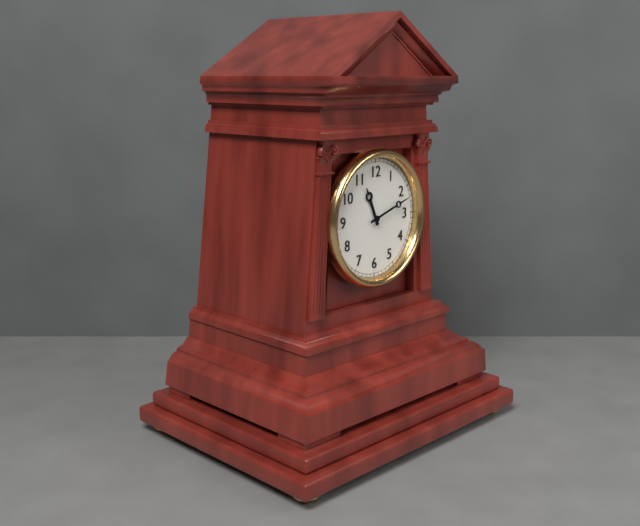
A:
11h12
